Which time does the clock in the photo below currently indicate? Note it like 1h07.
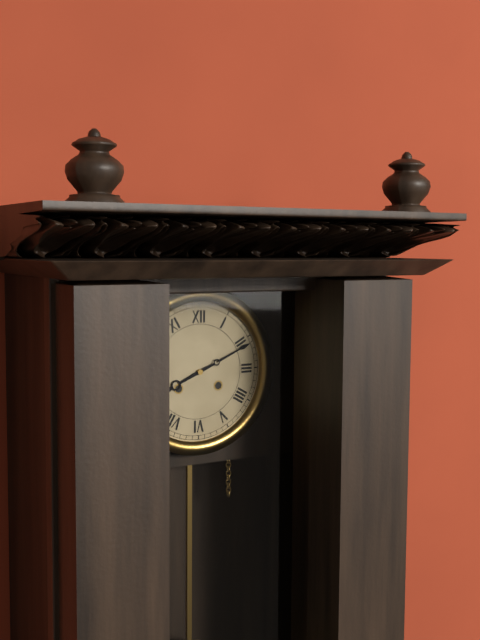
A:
8h11
